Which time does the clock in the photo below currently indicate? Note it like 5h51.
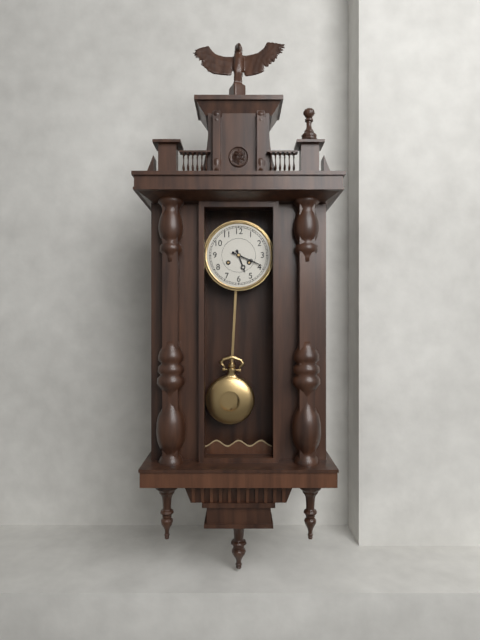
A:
5h19
